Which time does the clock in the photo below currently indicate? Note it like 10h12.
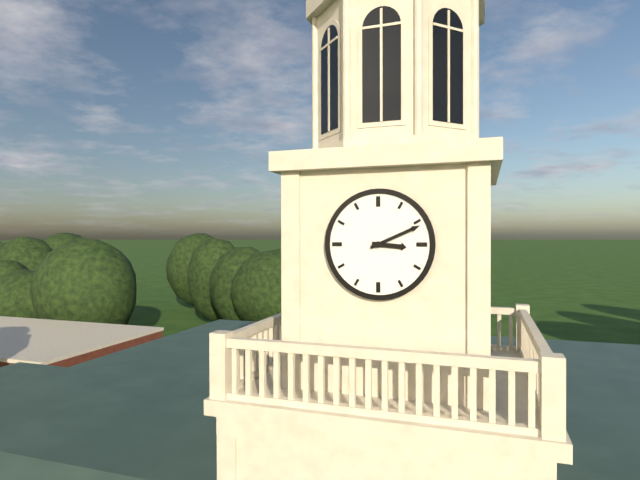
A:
3h11
